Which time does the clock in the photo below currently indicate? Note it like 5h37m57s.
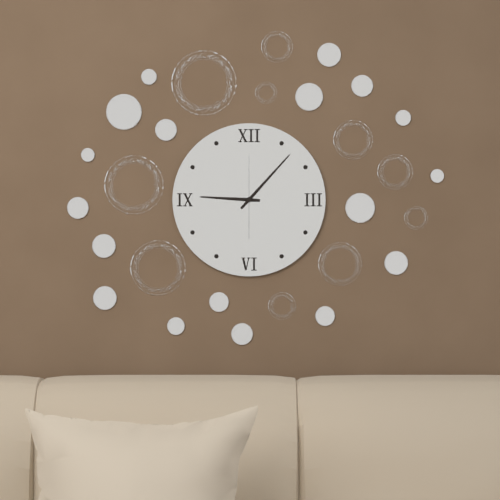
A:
9h07m00s
